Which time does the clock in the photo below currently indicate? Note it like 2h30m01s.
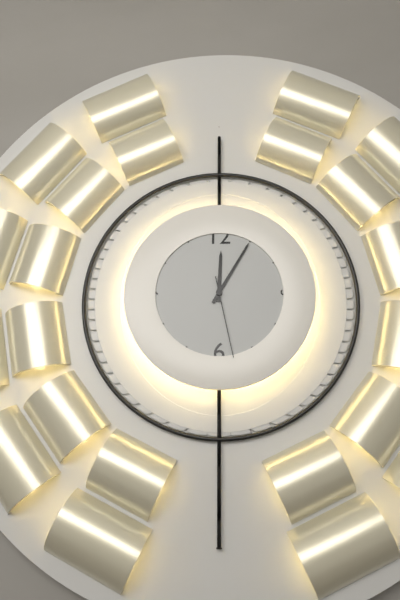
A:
12h05m28s
